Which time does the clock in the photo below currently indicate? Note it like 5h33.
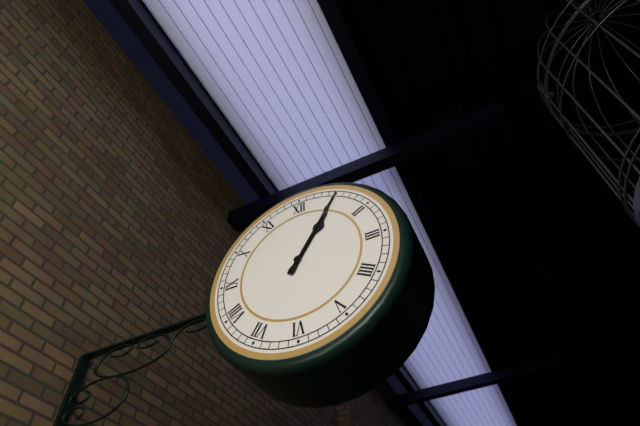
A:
1h05
